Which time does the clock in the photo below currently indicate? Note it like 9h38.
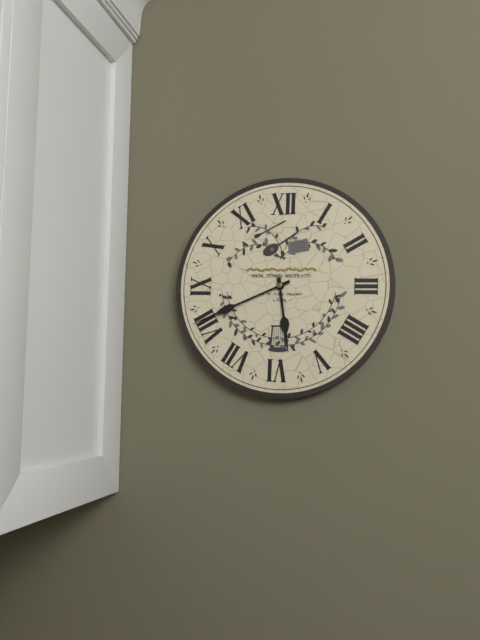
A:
5h41
